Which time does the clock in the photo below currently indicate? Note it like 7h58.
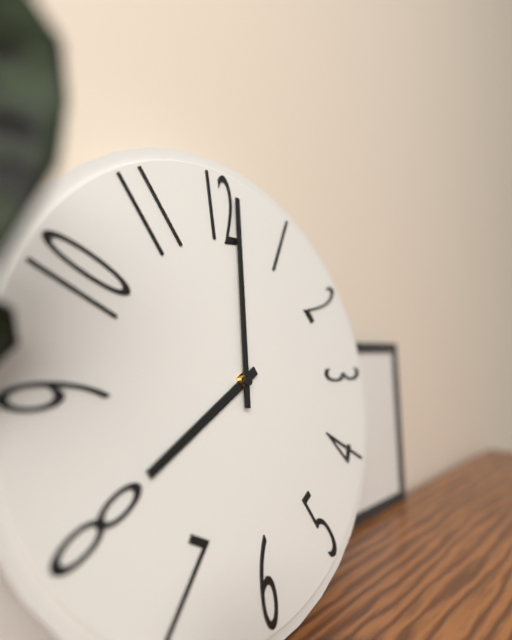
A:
8h01
